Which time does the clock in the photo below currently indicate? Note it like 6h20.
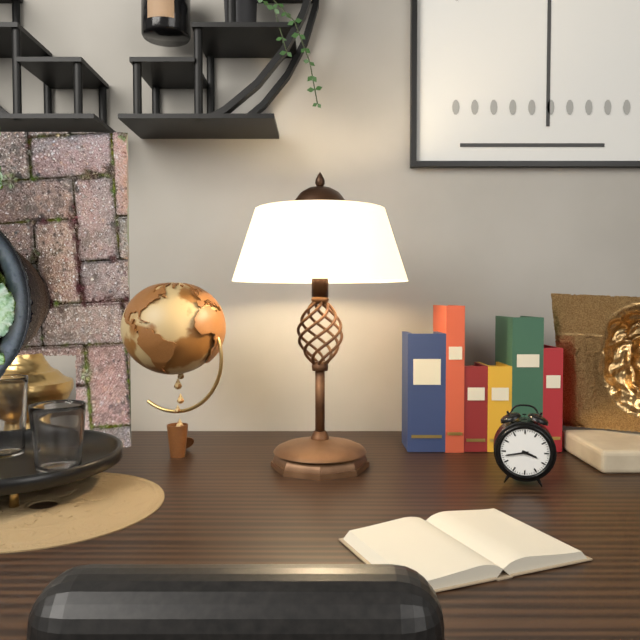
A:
3h43
